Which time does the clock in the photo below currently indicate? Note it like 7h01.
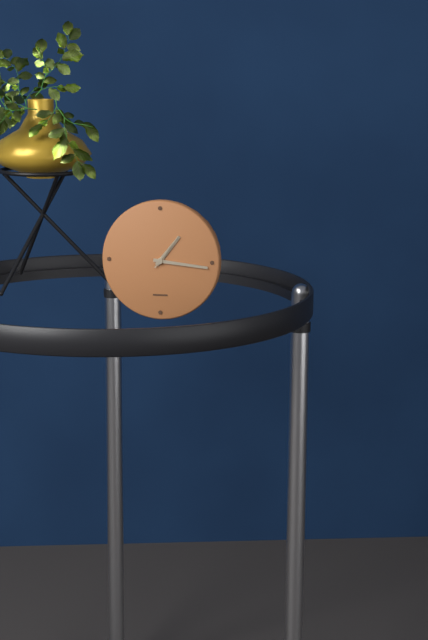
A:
1h16
